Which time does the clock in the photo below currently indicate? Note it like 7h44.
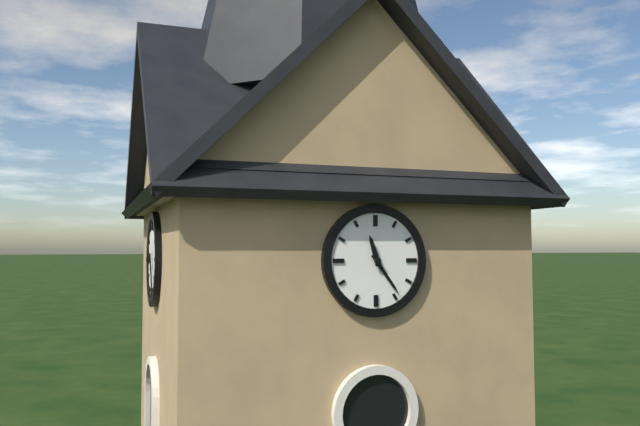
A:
11h24
